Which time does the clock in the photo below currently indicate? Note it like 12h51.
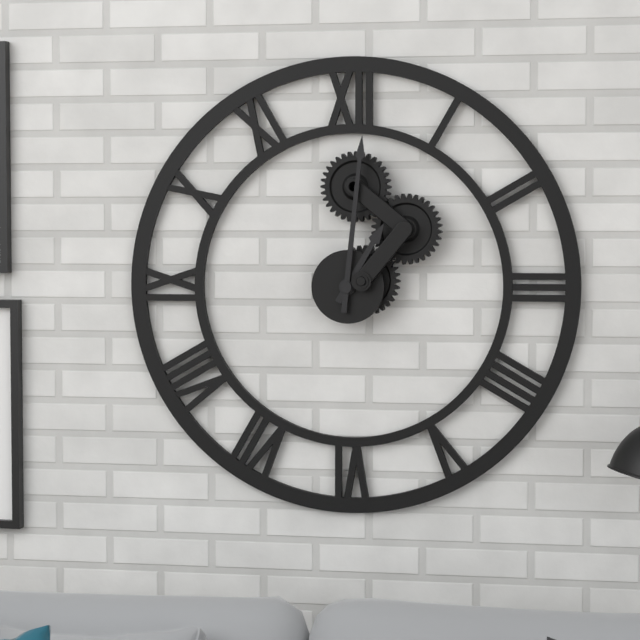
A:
1h01
